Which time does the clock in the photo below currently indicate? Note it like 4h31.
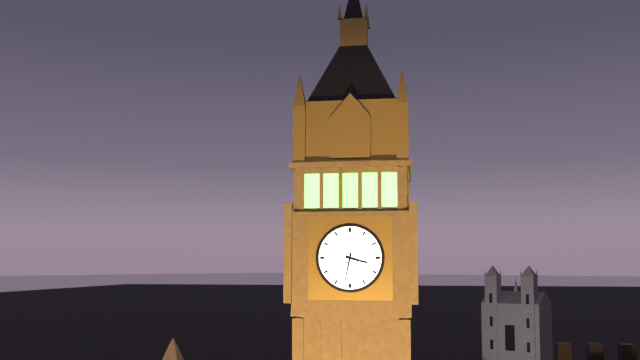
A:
3h32
